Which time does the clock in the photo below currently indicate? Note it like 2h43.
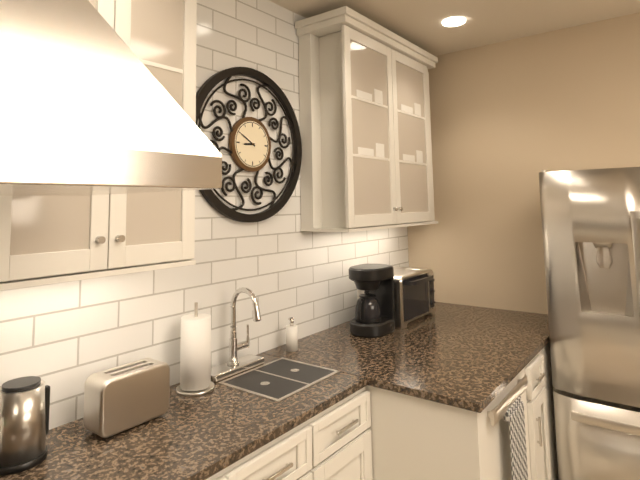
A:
8h50
